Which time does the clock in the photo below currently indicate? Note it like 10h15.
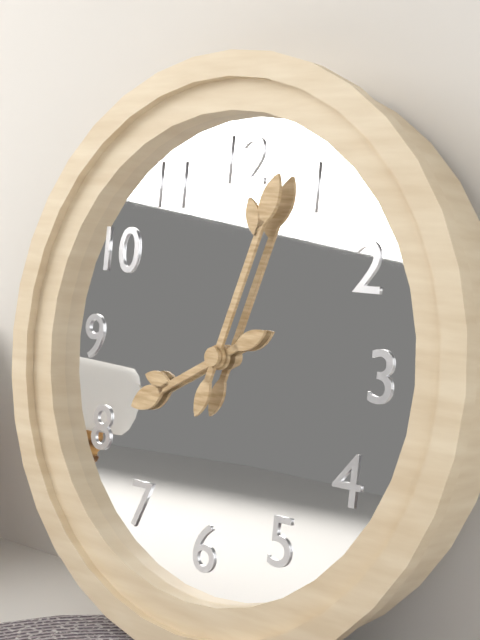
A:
8h03
